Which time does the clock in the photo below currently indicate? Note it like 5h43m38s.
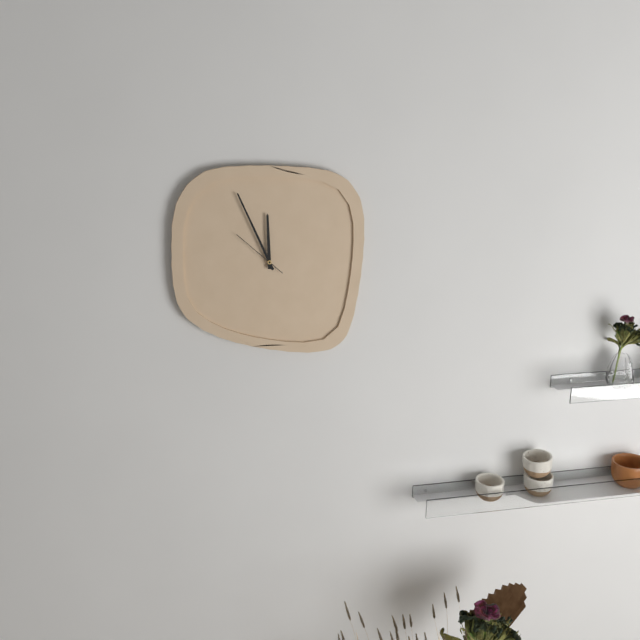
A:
11h56m52s
